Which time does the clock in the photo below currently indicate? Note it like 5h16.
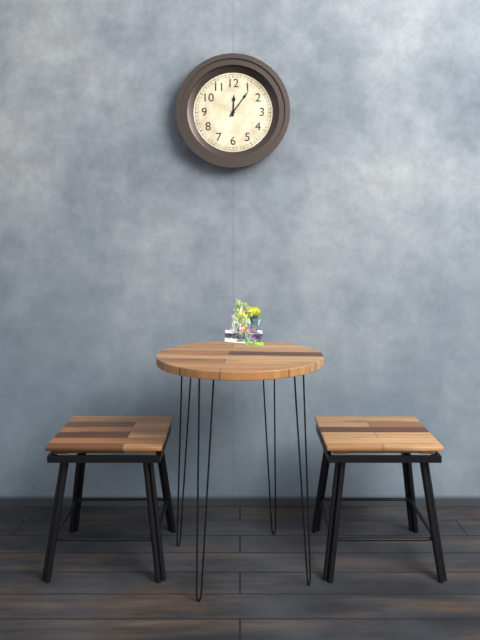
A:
12h06
